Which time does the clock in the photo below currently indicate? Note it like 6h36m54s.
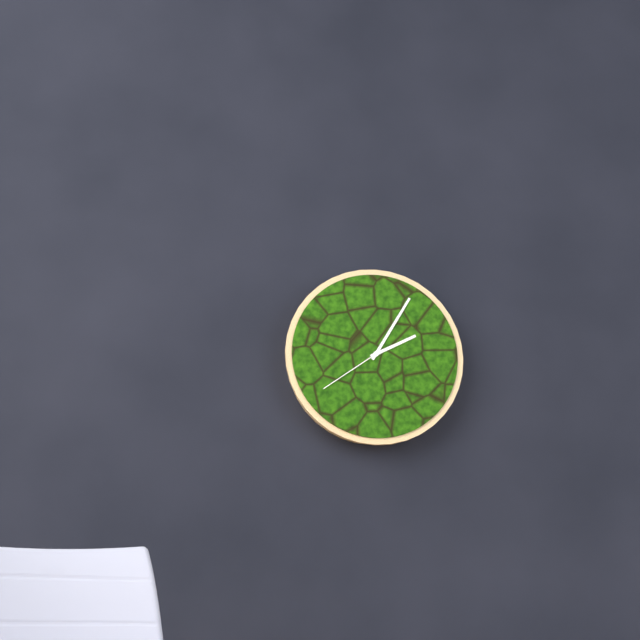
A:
2h05m39s
